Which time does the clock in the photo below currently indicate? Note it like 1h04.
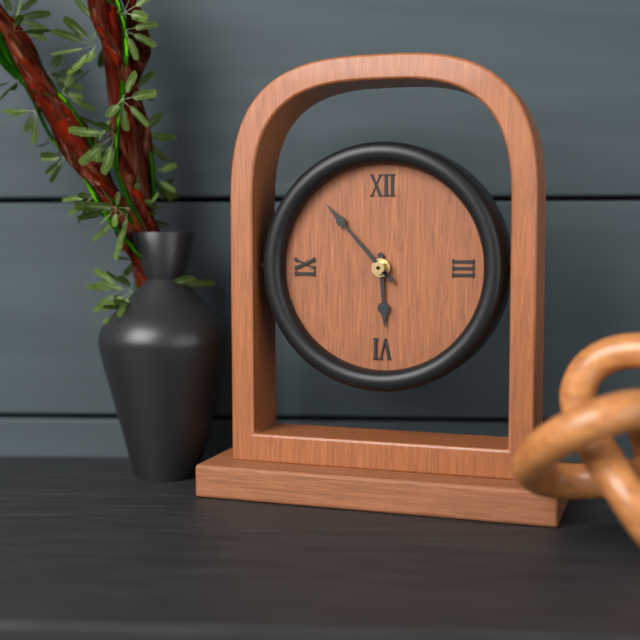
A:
5h53
